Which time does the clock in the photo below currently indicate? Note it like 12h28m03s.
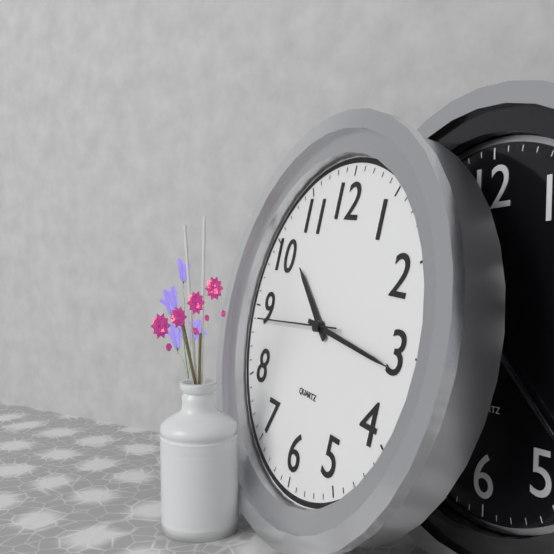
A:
10h16m44s
